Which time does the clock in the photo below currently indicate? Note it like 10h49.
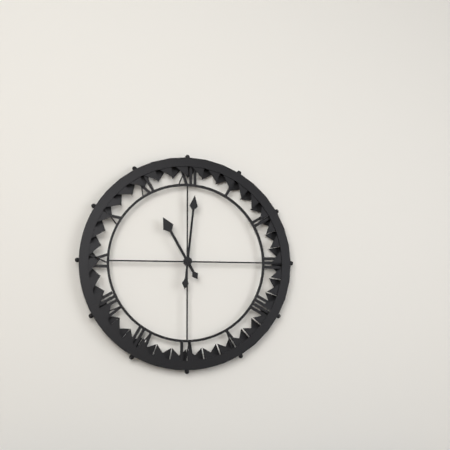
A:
11h01
